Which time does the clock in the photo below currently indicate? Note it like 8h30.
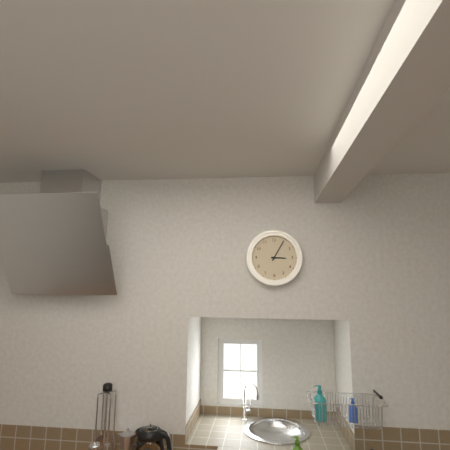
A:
3h05
